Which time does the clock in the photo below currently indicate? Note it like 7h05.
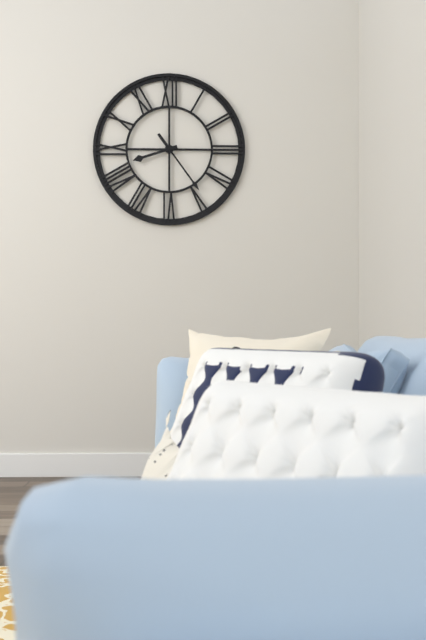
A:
8h24
